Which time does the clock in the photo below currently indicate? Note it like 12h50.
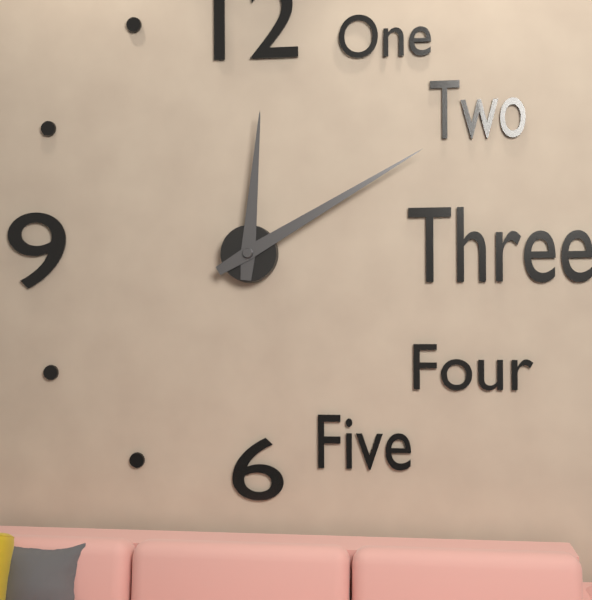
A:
12h10
